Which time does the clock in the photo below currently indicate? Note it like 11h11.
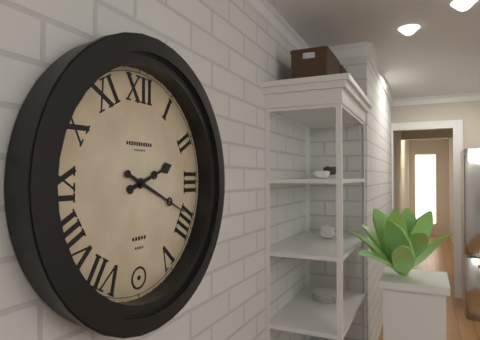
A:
2h19
